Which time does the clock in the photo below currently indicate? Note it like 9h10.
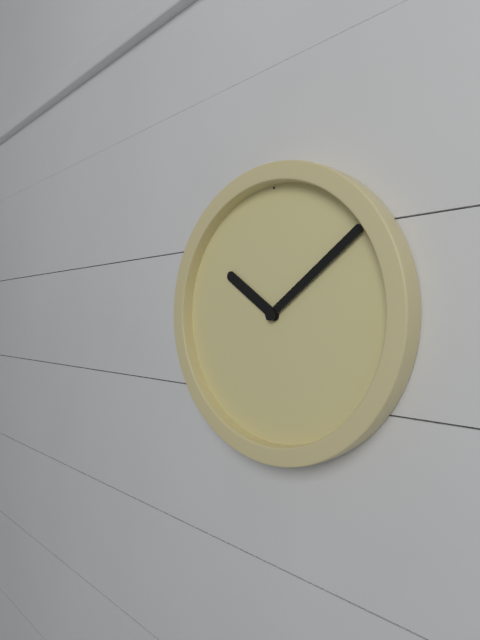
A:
10h09
